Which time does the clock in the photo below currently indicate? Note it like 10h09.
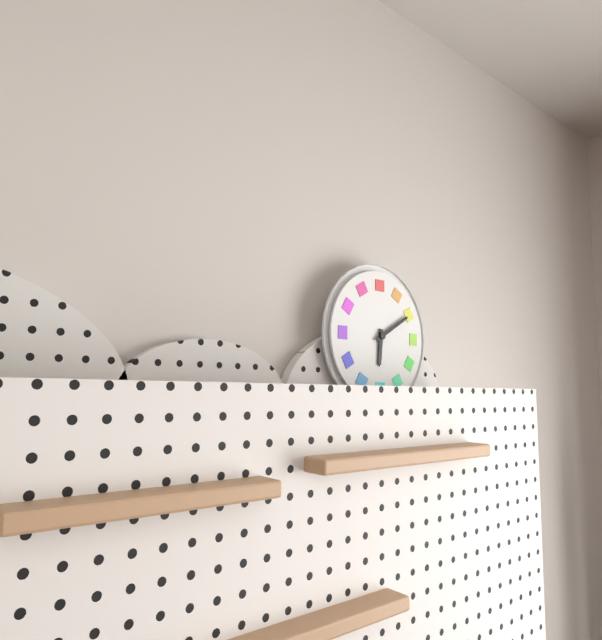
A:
6h10
